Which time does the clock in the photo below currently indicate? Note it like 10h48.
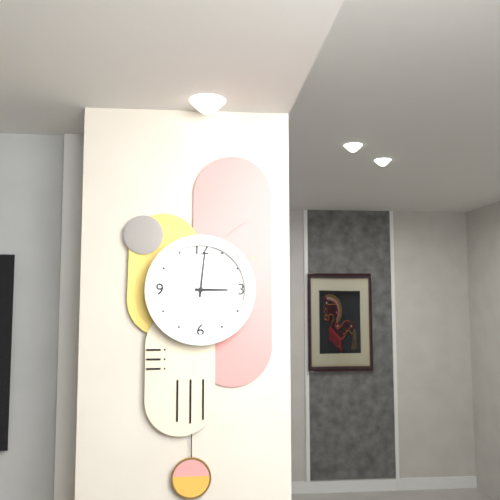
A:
3h01
